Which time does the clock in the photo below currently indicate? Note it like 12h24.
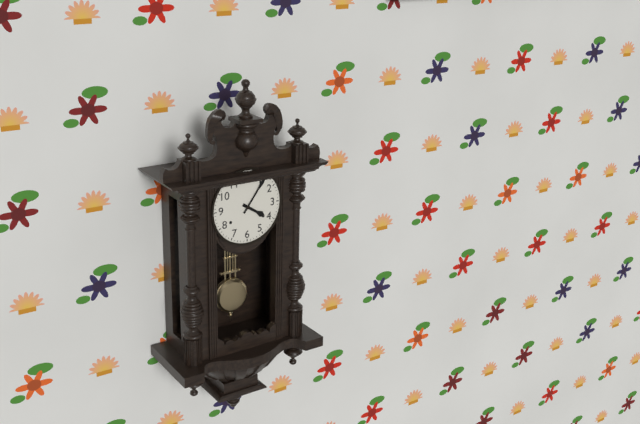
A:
4h06
